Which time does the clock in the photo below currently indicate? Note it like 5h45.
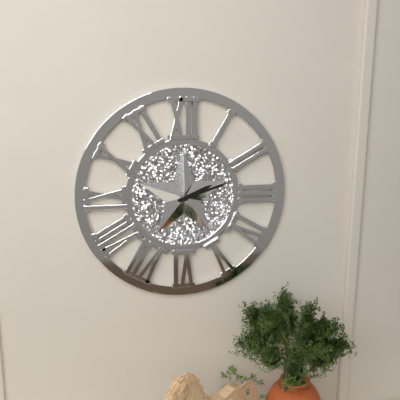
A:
2h12
